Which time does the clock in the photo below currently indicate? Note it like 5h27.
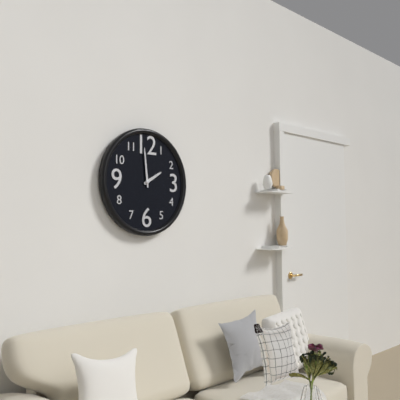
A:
1h59
